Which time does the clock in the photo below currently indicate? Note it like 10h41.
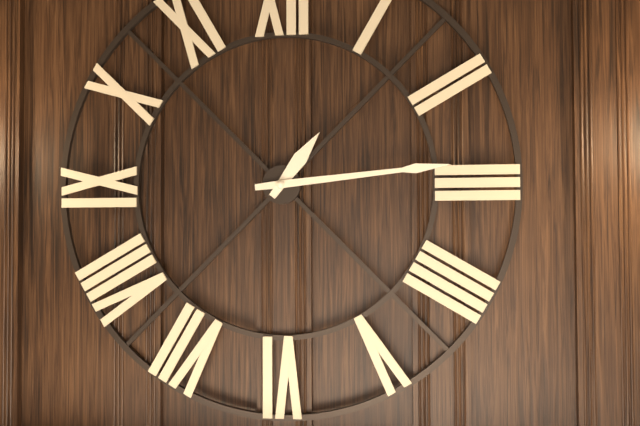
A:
1h14
